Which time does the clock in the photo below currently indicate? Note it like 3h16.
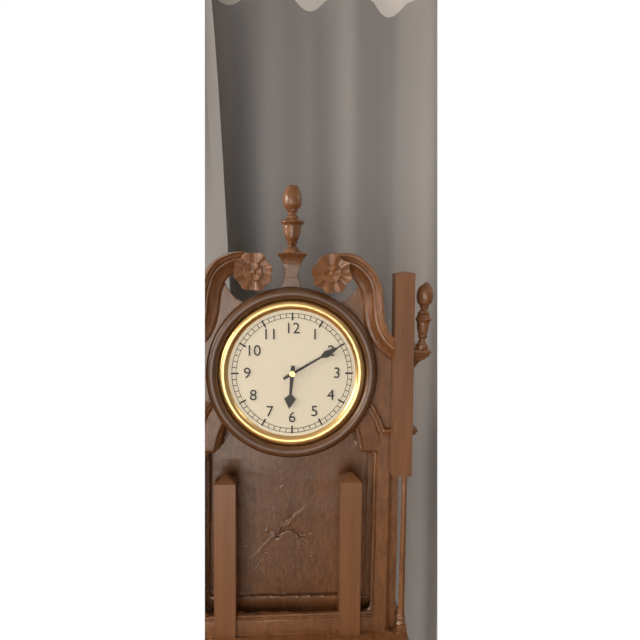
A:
6h10
